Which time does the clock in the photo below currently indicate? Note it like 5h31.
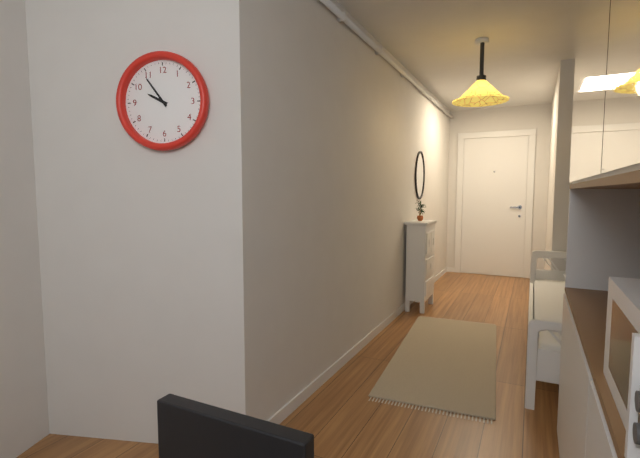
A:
9h54
